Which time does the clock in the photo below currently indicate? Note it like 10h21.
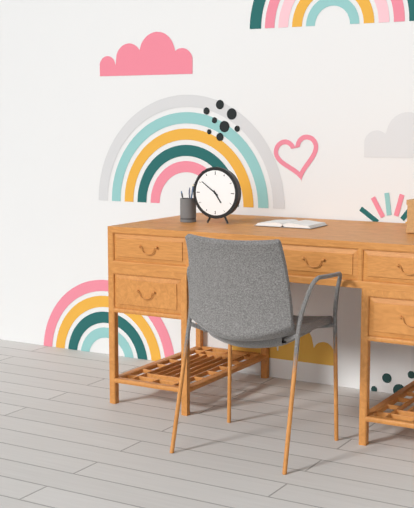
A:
4h51
